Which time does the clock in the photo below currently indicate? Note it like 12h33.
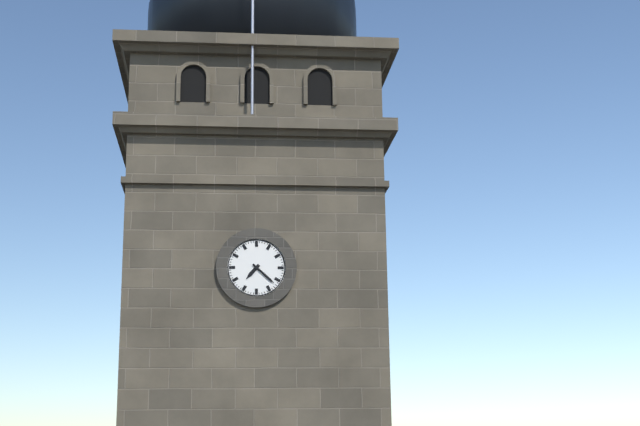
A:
7h22
